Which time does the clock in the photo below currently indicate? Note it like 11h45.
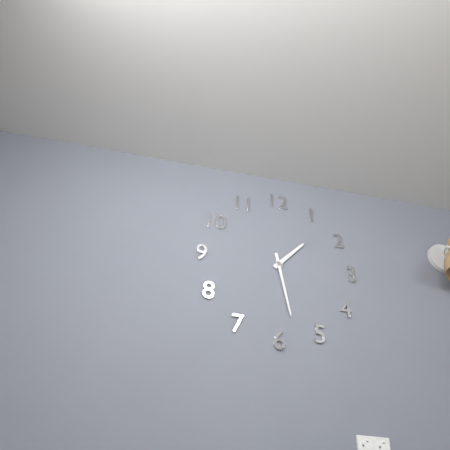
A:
1h28
